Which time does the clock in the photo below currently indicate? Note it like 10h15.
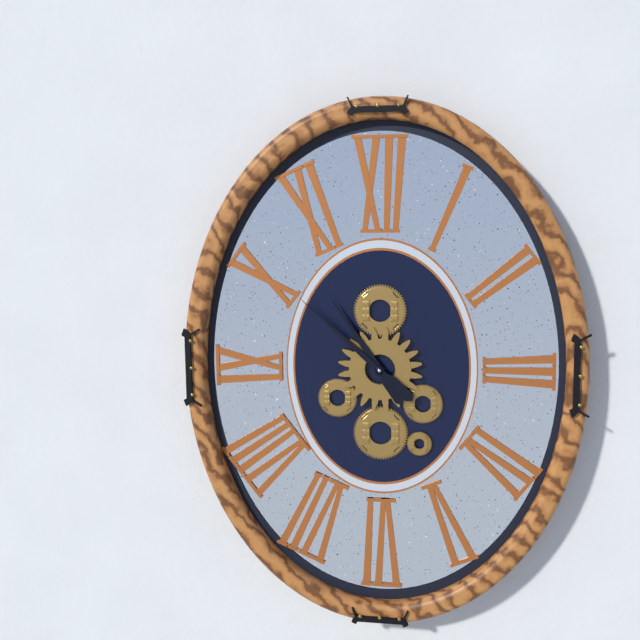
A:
10h52
